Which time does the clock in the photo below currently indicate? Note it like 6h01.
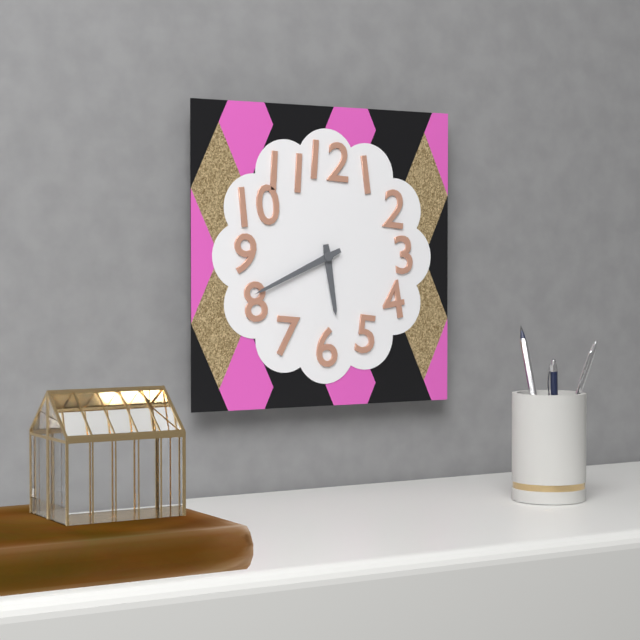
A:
5h41
